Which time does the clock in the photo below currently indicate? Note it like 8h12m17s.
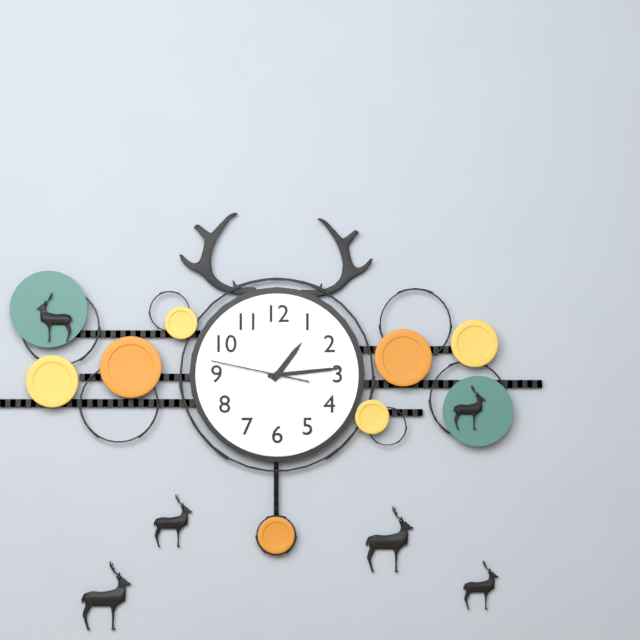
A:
1h14m47s
